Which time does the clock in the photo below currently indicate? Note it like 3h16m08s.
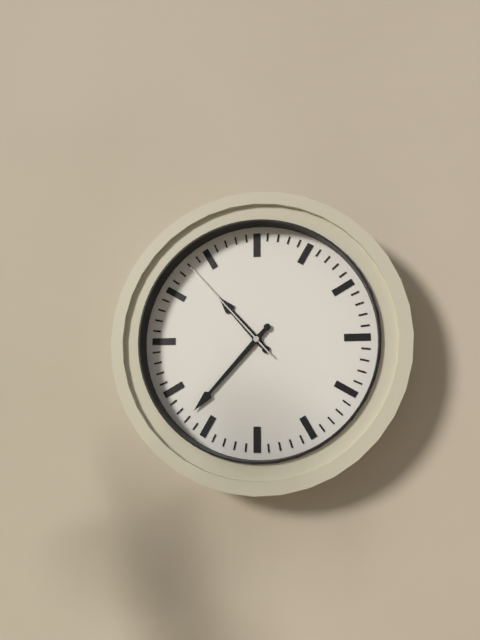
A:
10h37m53s
